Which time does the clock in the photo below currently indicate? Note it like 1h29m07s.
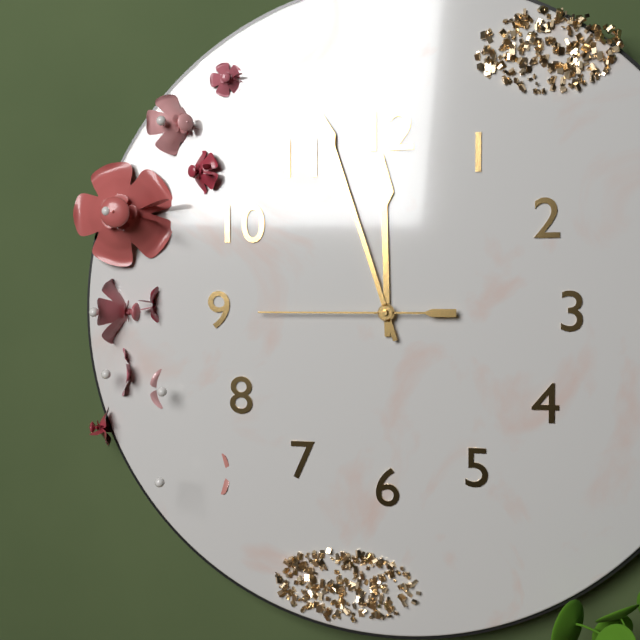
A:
11h57m45s
